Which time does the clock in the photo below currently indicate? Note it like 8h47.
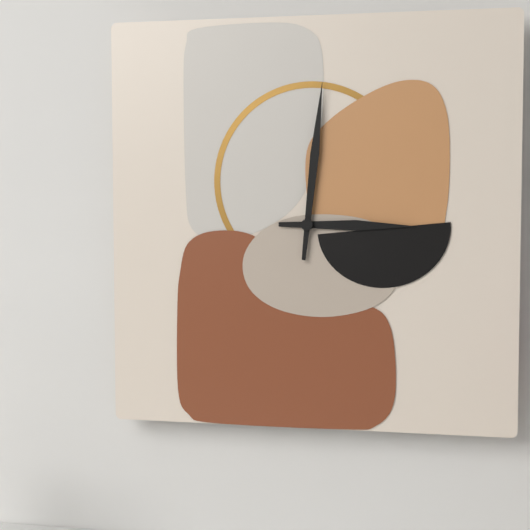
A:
3h01
